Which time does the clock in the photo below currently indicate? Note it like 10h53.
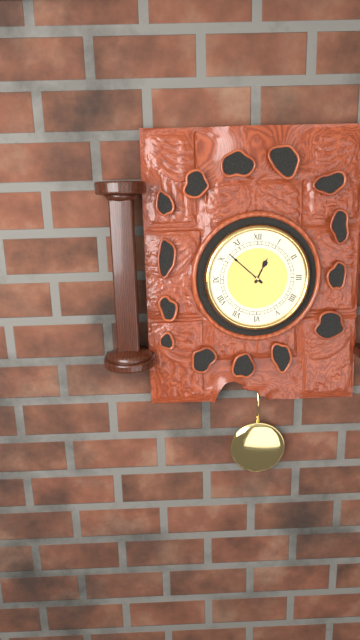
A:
12h52
